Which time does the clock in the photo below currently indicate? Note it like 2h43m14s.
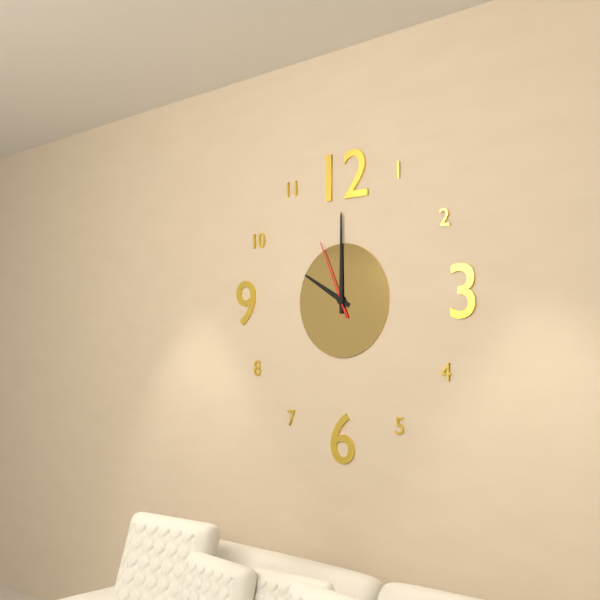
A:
10h00m56s
